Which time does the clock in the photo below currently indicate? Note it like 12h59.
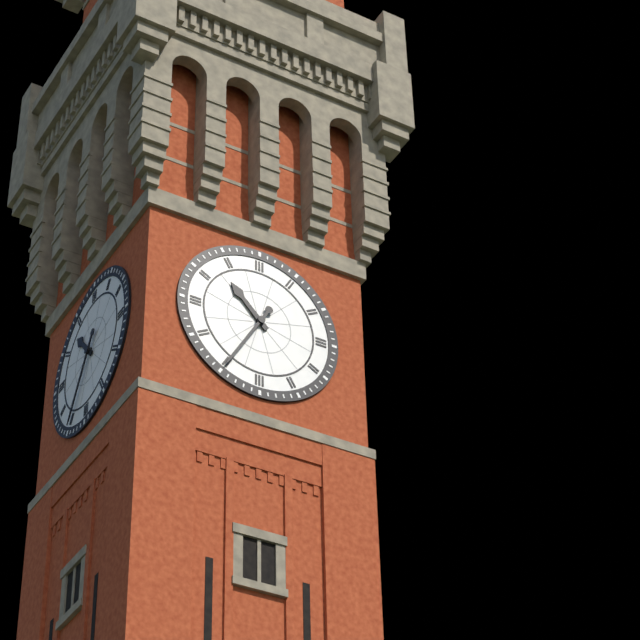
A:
10h35
